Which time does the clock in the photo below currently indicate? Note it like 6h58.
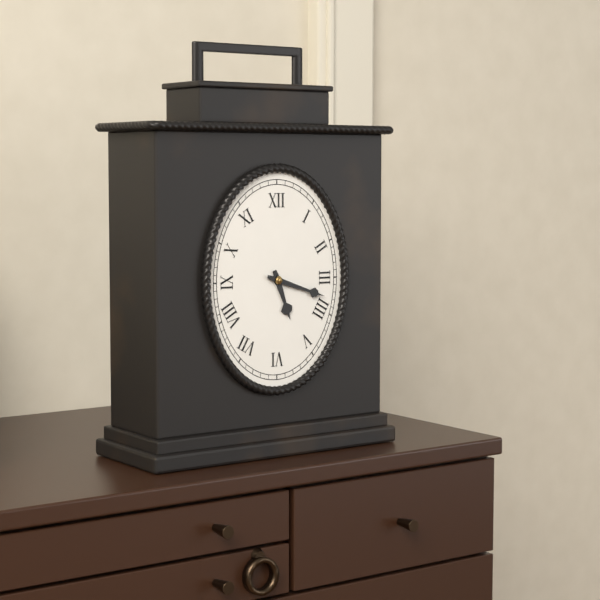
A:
5h18
